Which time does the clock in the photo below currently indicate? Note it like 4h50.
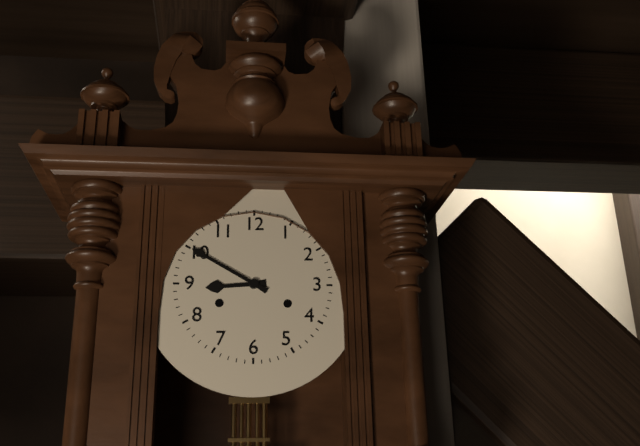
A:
8h50
